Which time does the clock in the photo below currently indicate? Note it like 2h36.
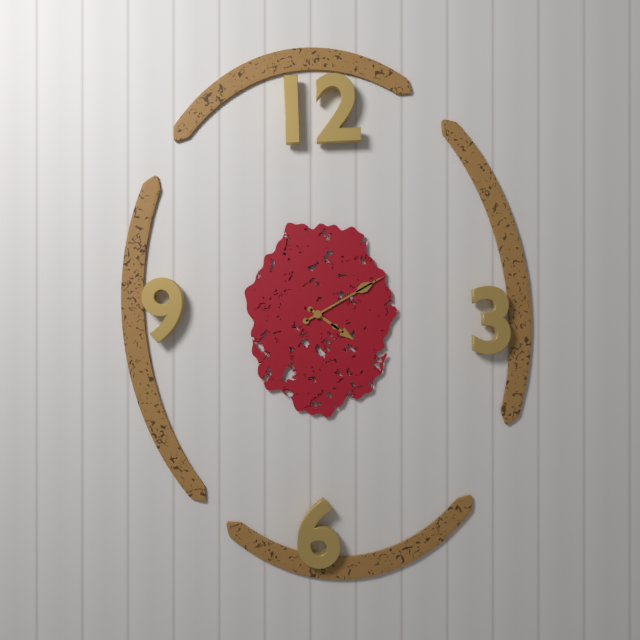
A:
4h10
